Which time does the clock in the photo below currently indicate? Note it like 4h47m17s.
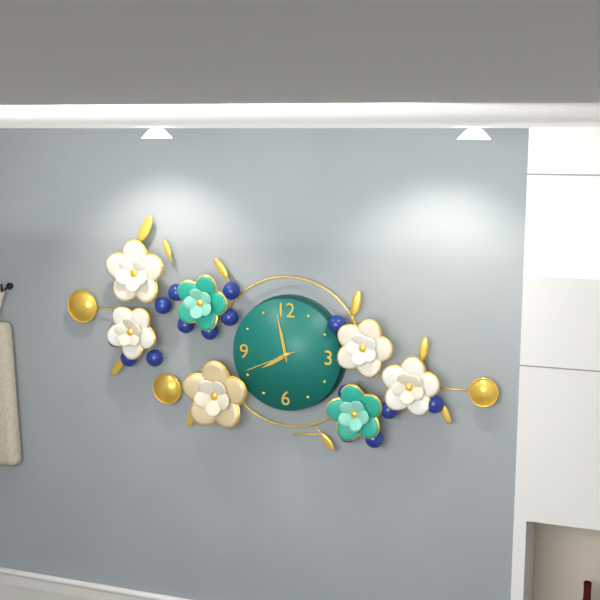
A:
7h58m41s
